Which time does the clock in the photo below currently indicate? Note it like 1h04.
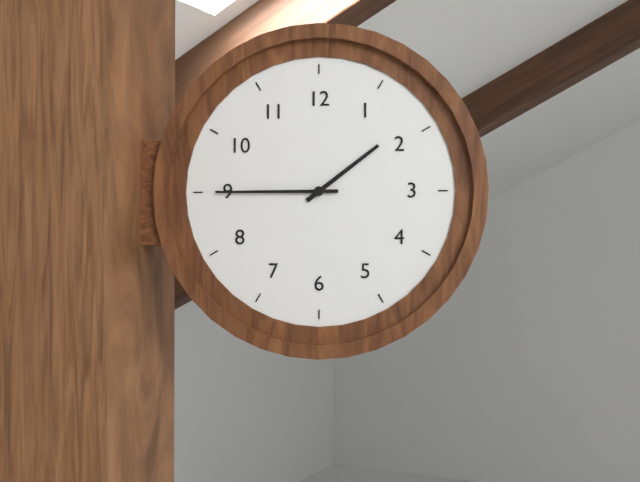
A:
1h45
